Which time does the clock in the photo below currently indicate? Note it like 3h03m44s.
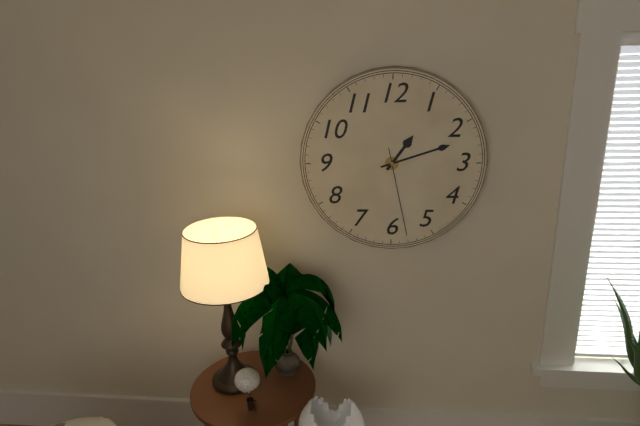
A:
1h12m28s
